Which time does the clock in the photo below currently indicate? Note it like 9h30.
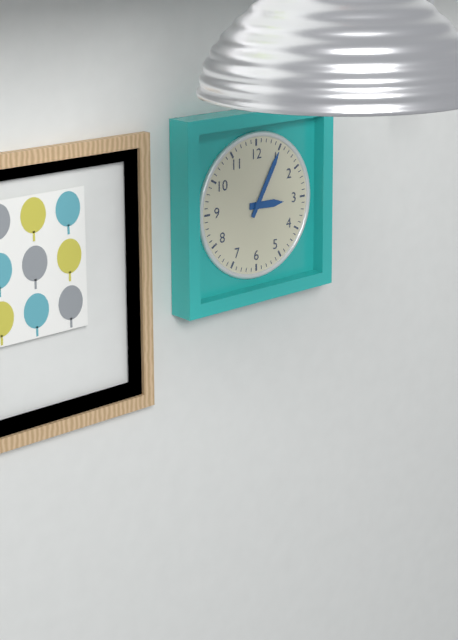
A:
3h05
